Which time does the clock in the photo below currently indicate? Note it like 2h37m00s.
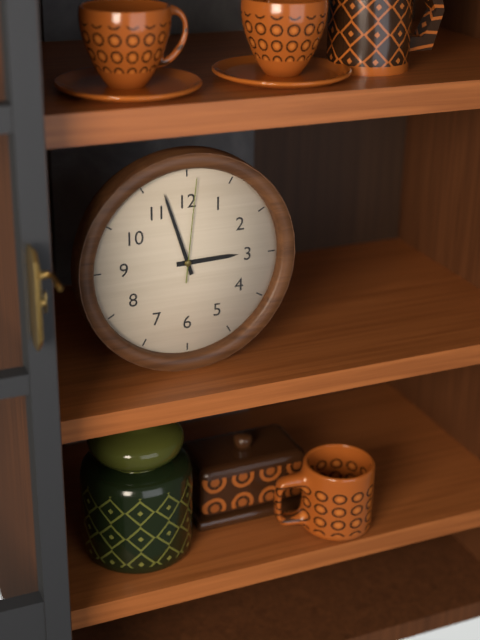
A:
2h57m01s
